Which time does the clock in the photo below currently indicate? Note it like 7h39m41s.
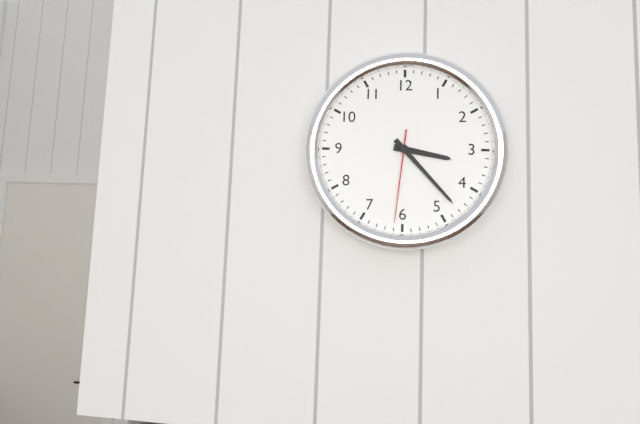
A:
3h23m31s
